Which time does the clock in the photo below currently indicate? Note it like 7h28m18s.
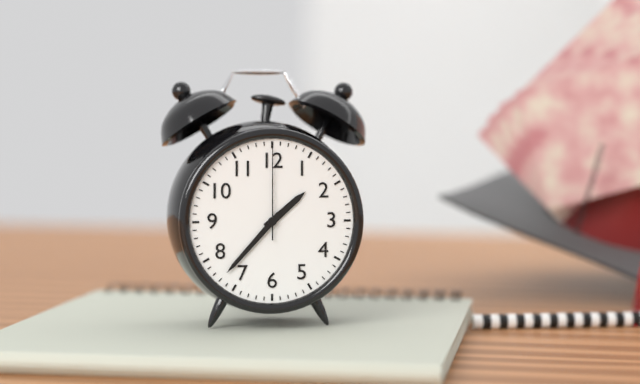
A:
1h37m00s
